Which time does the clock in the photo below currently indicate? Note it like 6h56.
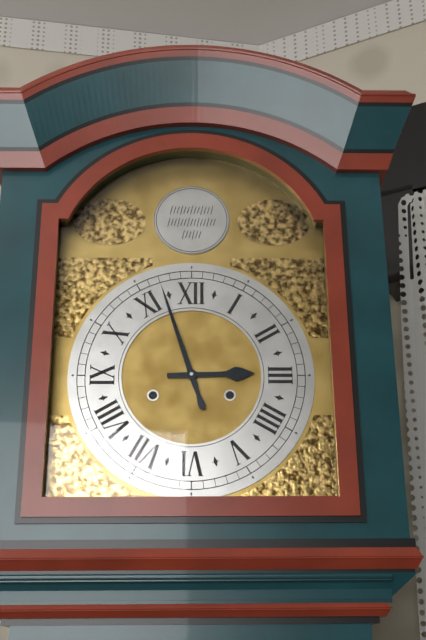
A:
2h57
